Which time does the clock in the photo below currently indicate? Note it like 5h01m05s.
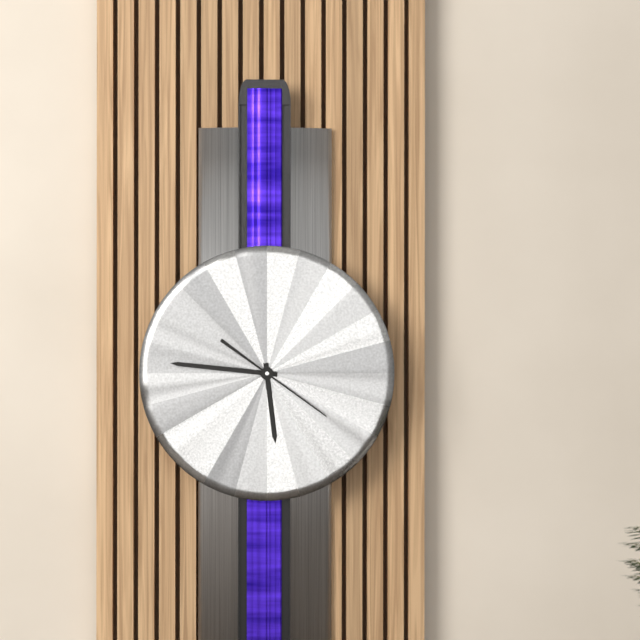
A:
5h46m21s
